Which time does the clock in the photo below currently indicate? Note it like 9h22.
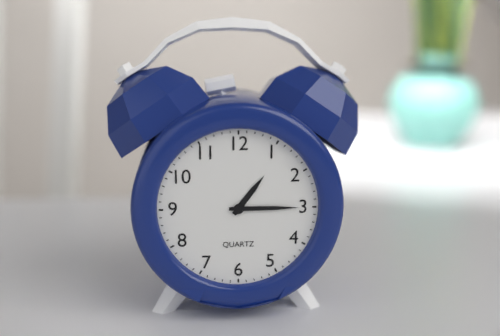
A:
1h15
